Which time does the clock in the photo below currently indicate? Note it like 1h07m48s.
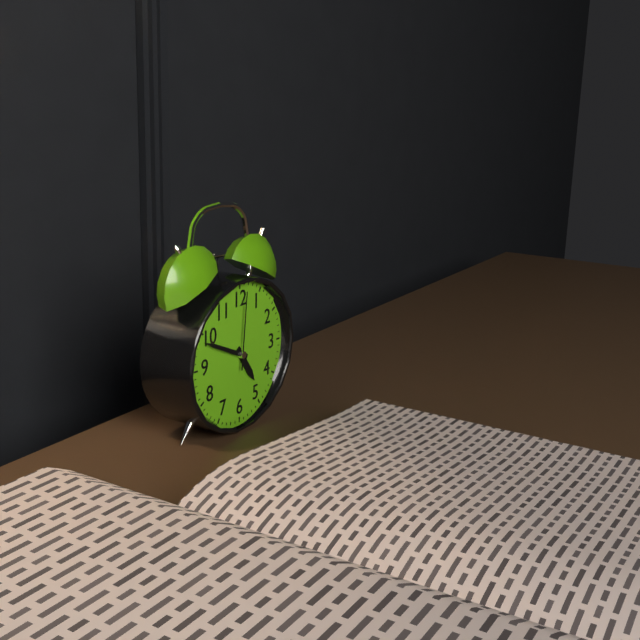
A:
4h49m01s
